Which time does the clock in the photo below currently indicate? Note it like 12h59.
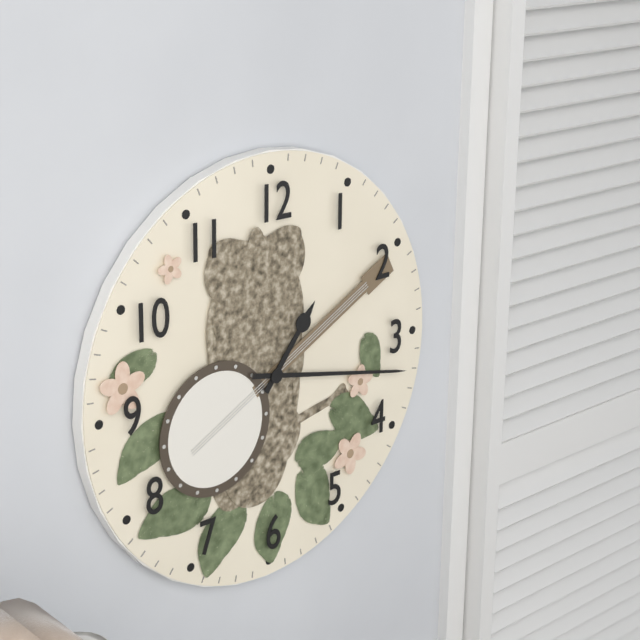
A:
1h17
